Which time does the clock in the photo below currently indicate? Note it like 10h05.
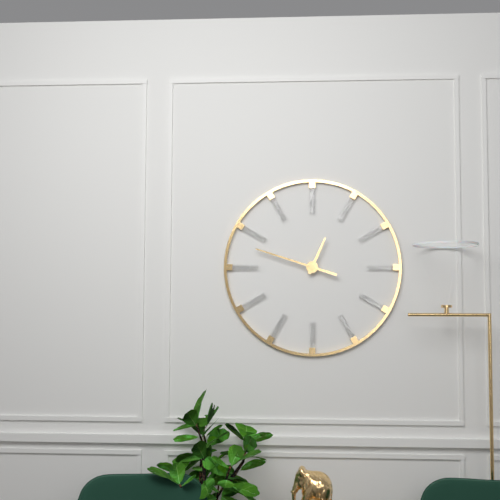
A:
12h48
